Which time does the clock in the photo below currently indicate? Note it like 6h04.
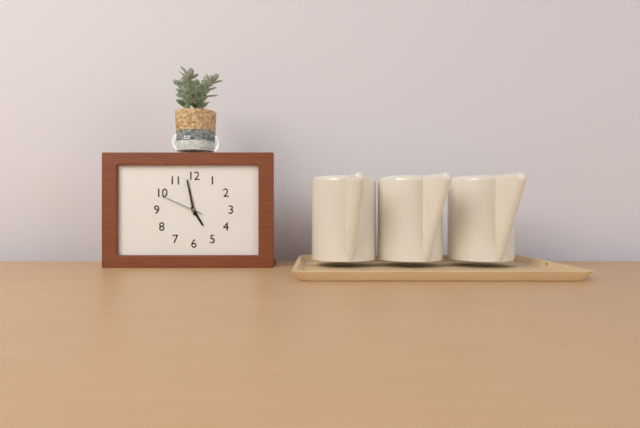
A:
4h58
